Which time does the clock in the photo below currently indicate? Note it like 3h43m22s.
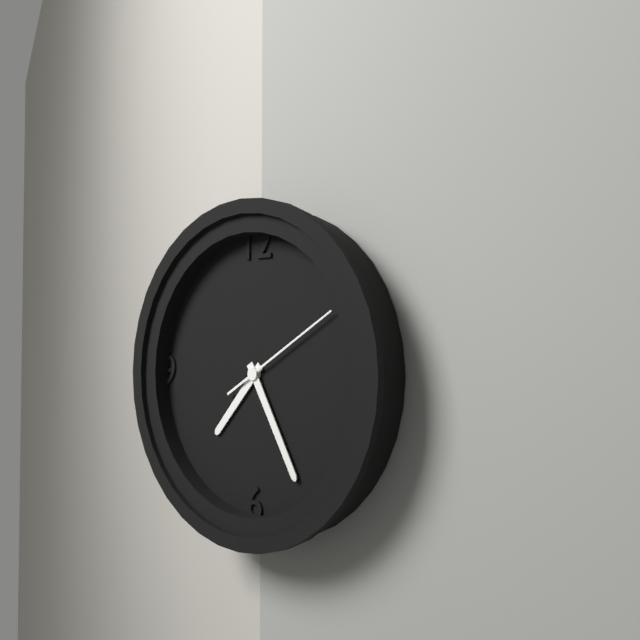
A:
7h25m10s
